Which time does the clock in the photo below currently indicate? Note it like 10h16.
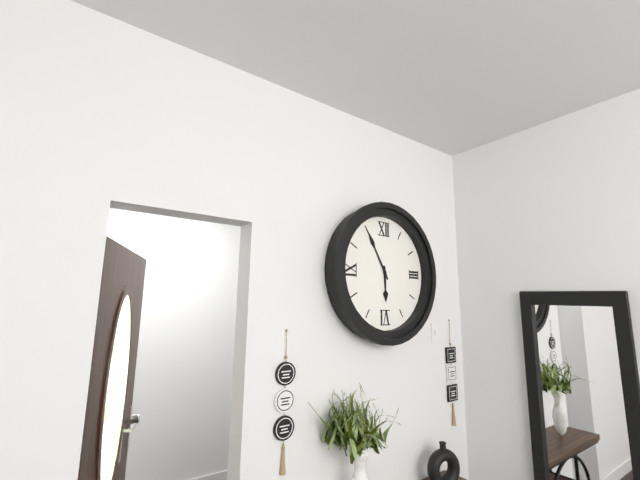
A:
5h55
